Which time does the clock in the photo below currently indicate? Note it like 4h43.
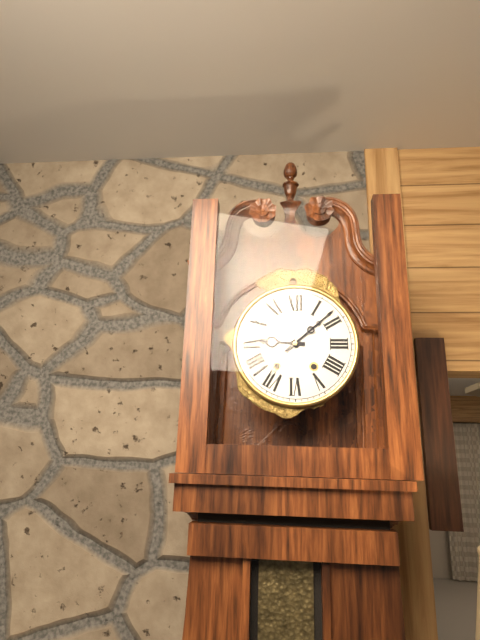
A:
9h08
